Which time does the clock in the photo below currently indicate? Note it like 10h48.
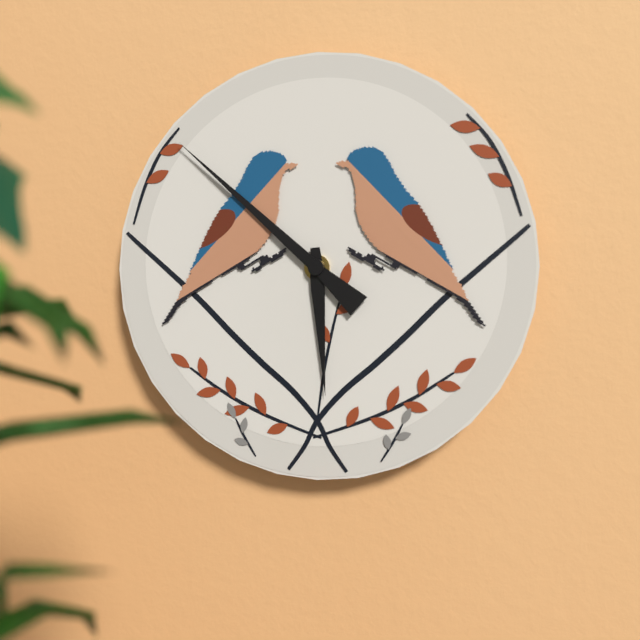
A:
5h52
